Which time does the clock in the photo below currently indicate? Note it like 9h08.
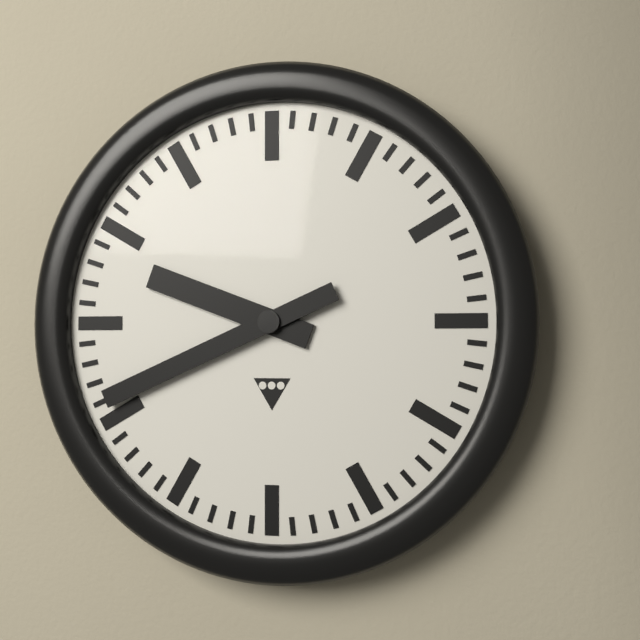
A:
9h41
